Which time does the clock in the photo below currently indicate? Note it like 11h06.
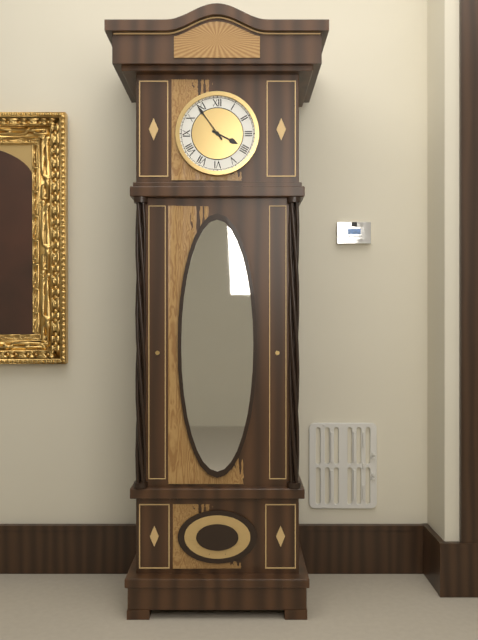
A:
3h54
